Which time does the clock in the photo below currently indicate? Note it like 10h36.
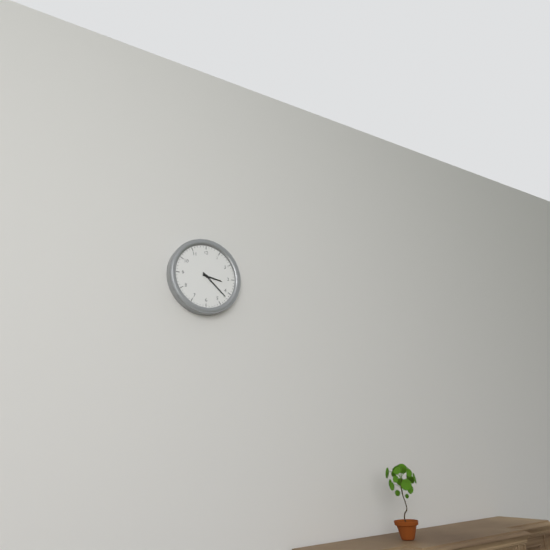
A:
3h22
